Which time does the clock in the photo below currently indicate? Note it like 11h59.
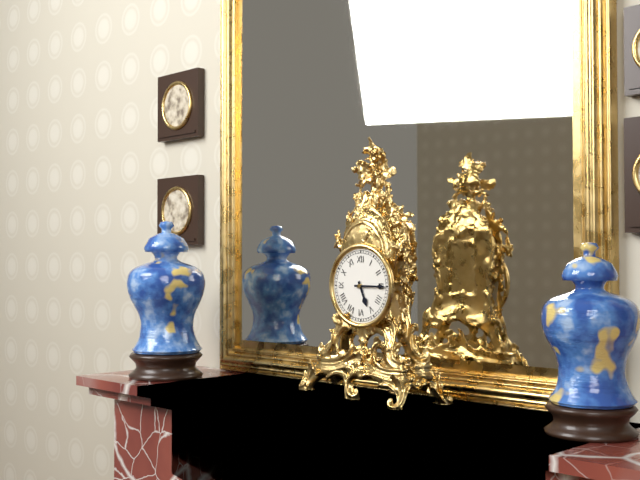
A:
5h15
